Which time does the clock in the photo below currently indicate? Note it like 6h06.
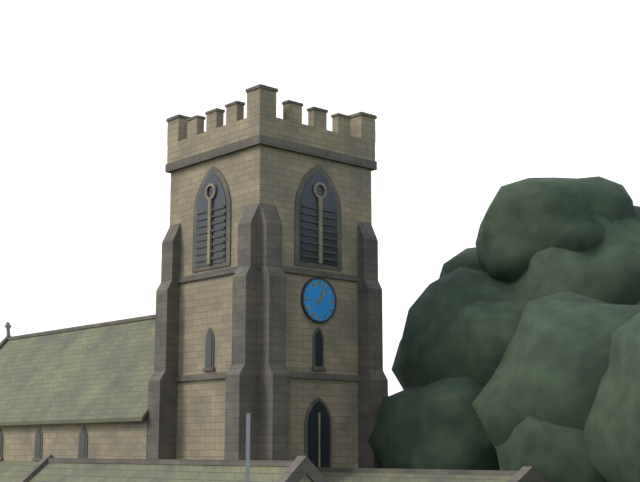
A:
1h04
